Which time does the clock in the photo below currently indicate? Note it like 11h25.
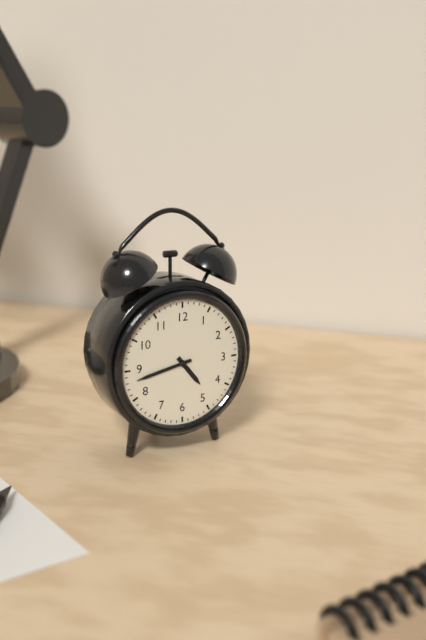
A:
4h43
